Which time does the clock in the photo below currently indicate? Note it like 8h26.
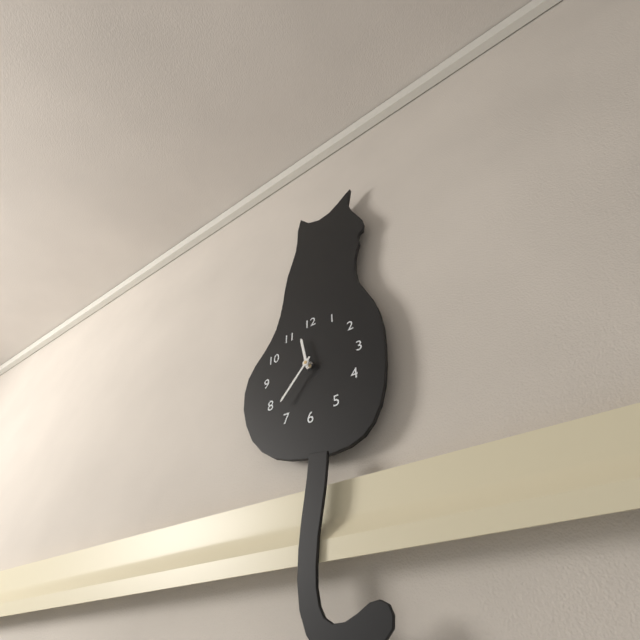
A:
11h37
